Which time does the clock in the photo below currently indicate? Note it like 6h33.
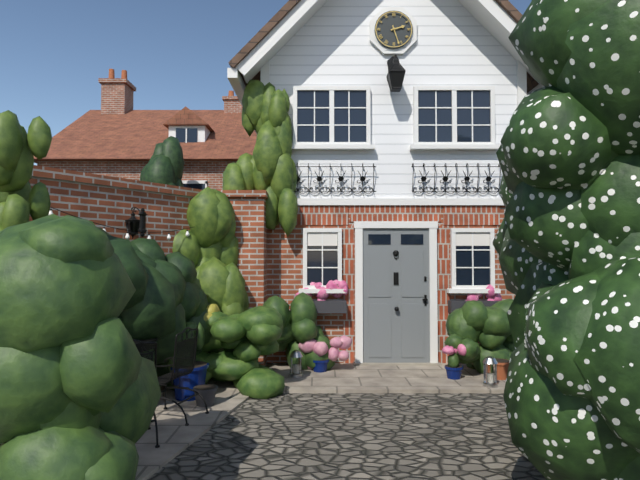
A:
2h27
